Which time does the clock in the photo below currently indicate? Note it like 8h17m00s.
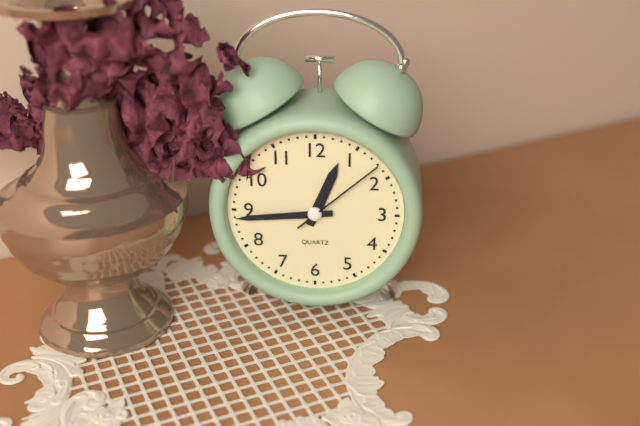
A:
12h44m08s
